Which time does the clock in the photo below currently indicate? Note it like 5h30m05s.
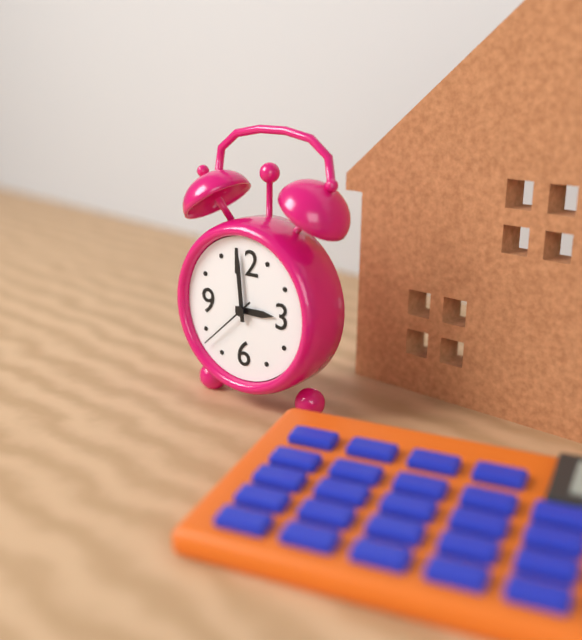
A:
2h59m38s
